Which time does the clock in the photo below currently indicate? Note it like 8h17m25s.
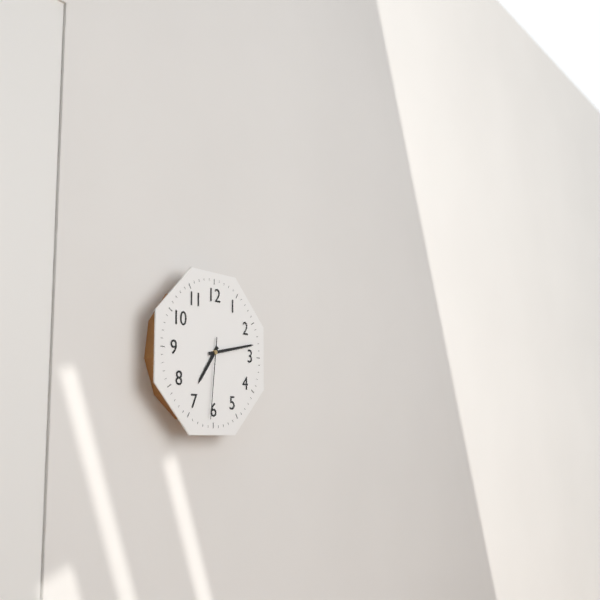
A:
7h13m31s
